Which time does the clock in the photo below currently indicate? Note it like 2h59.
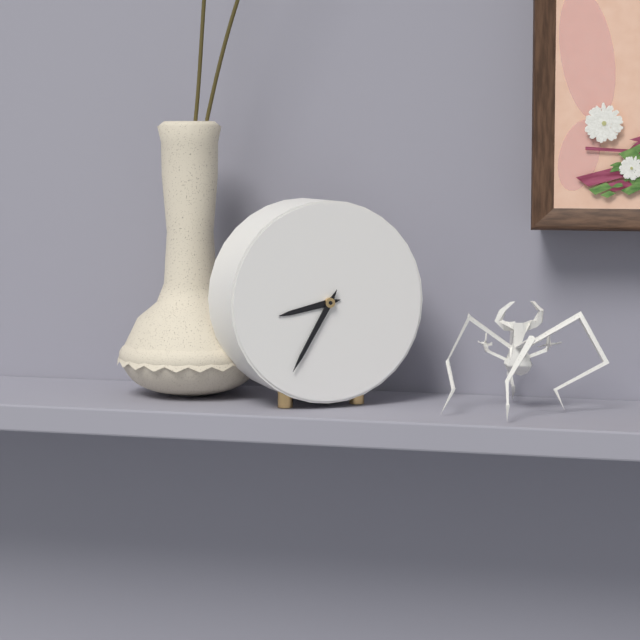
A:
8h35
